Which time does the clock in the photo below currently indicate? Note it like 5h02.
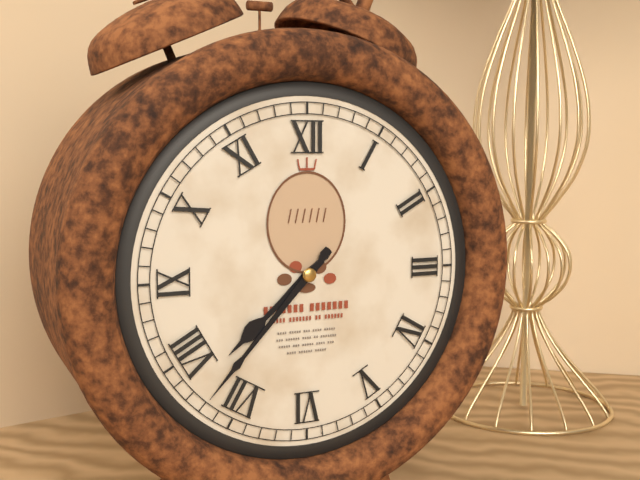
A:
7h37
